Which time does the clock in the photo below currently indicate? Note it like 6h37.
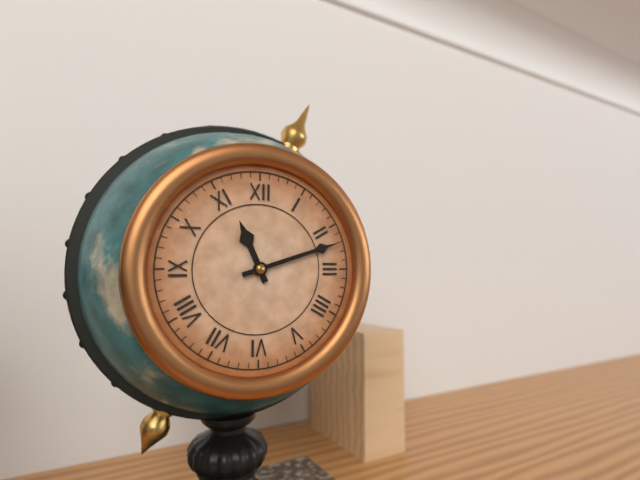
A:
11h12
